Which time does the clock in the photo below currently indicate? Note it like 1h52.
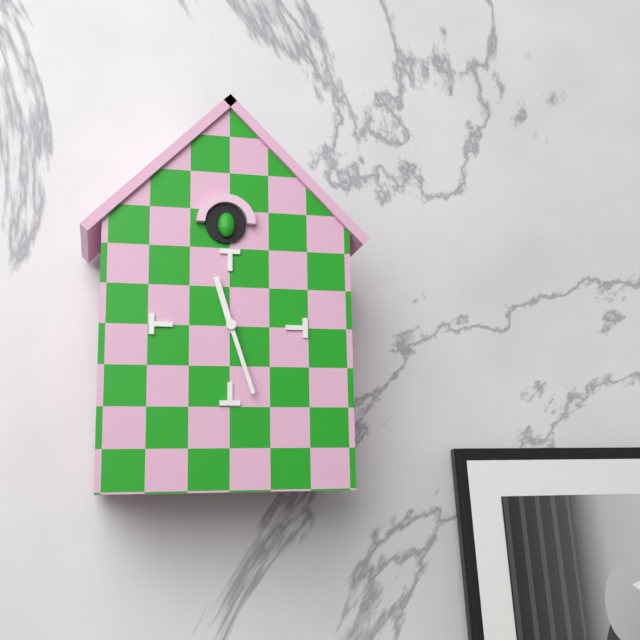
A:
11h27
